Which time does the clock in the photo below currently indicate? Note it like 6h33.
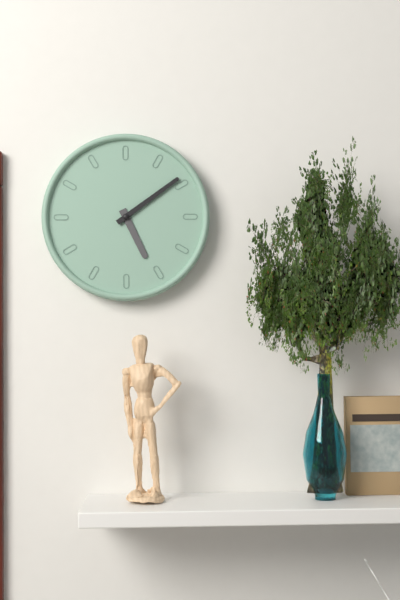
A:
5h09
